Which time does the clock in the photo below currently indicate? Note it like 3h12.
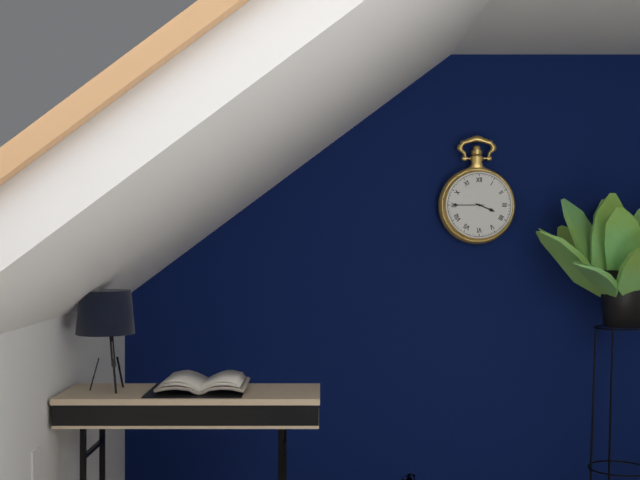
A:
3h45
